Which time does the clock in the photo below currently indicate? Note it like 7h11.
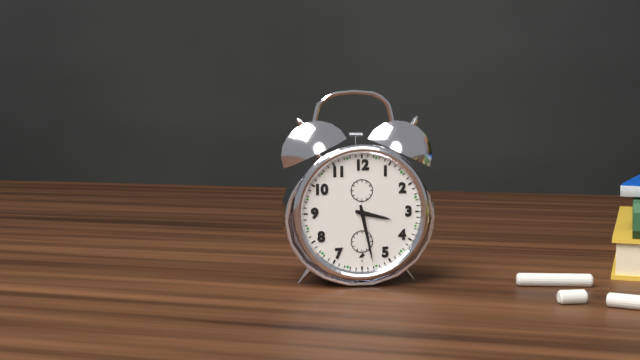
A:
3h28
